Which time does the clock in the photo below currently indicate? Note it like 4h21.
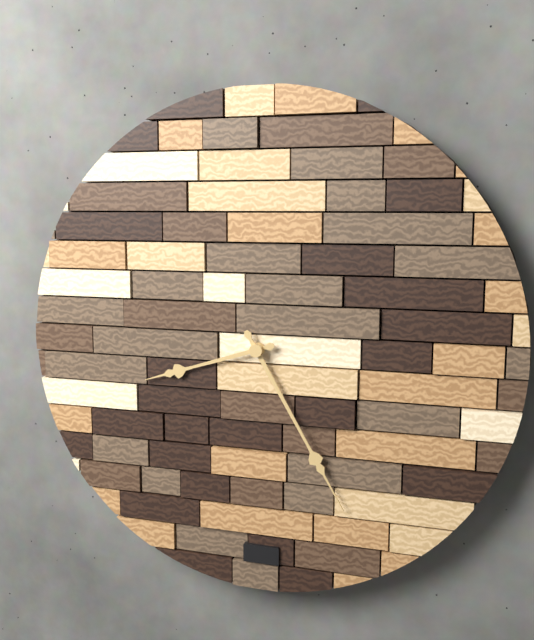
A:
8h25
